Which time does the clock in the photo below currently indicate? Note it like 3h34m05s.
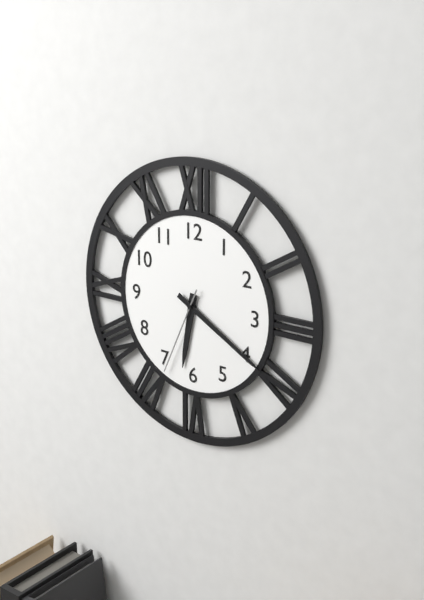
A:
6h20m34s
